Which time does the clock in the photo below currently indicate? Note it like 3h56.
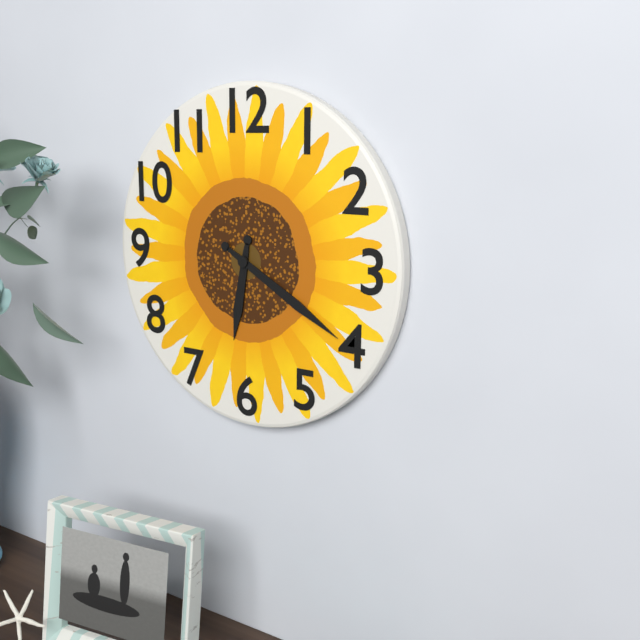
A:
6h20
